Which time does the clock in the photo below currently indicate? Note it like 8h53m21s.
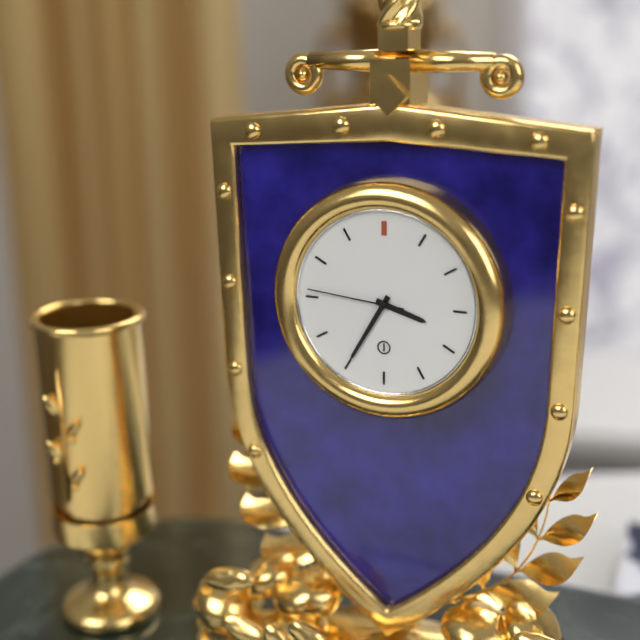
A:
3h35m46s
